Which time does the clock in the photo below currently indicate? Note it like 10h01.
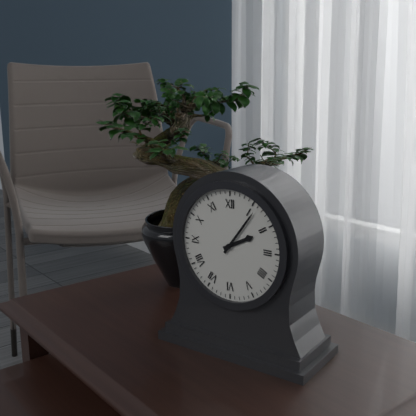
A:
2h06
